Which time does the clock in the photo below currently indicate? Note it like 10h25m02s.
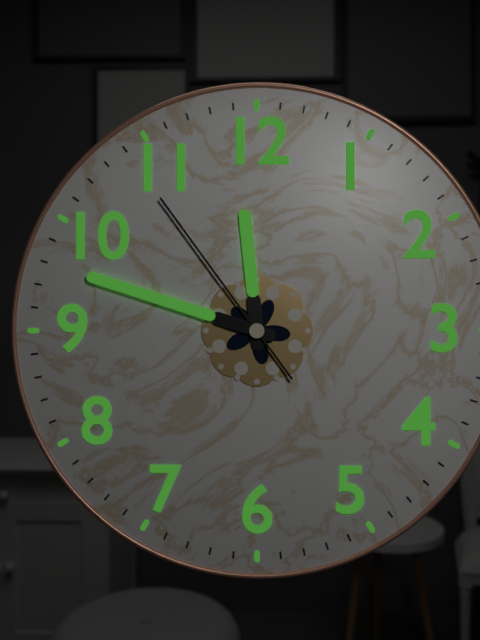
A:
11h48m54s
